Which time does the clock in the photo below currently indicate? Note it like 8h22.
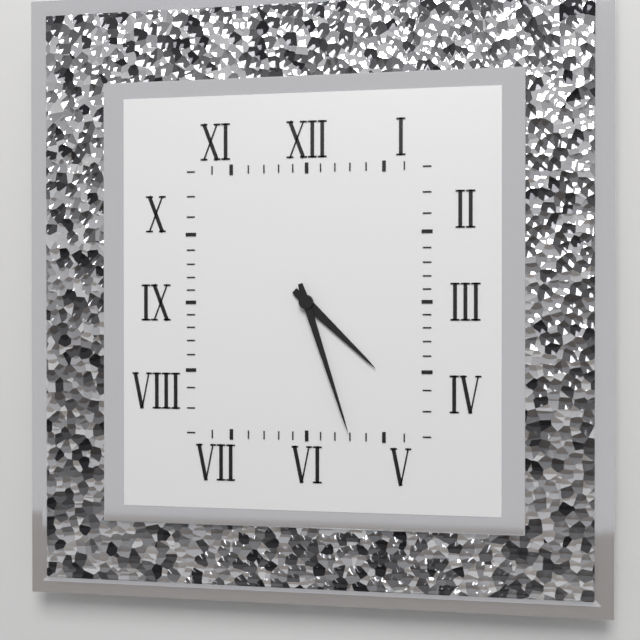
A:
4h27
